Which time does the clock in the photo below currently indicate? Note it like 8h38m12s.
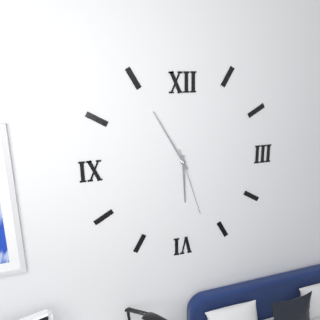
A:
5h55m27s
